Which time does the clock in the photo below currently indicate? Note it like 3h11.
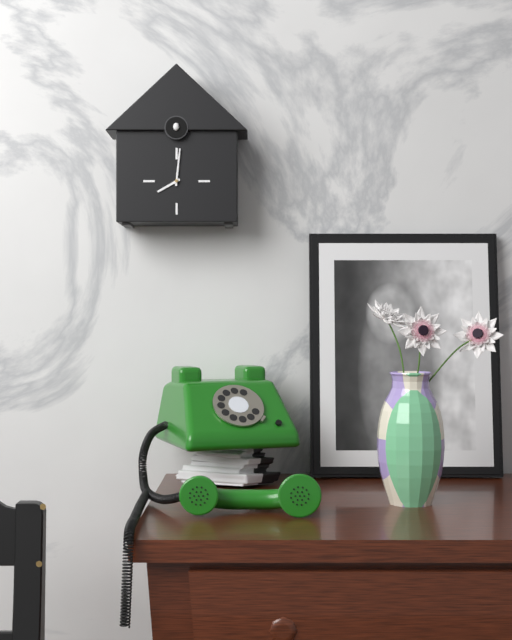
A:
8h01
